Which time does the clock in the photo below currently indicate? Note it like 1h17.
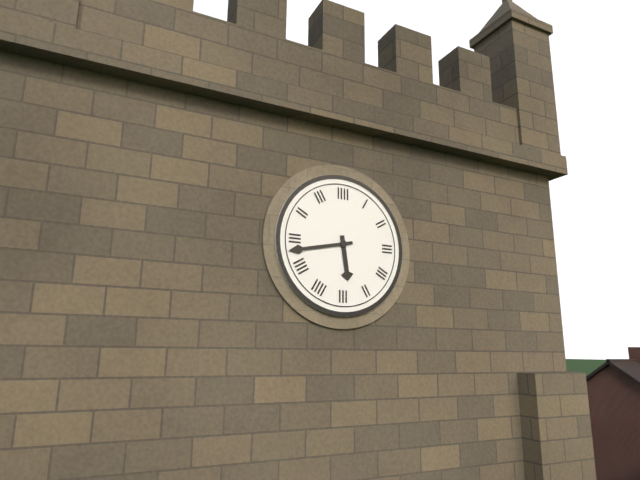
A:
5h43
